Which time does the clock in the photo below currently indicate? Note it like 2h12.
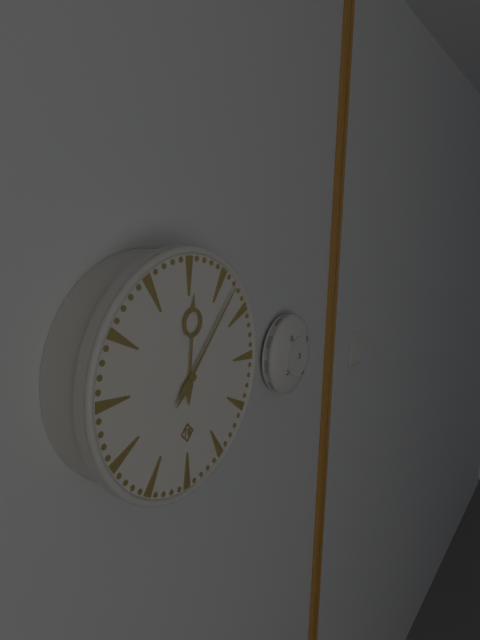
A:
12h07
